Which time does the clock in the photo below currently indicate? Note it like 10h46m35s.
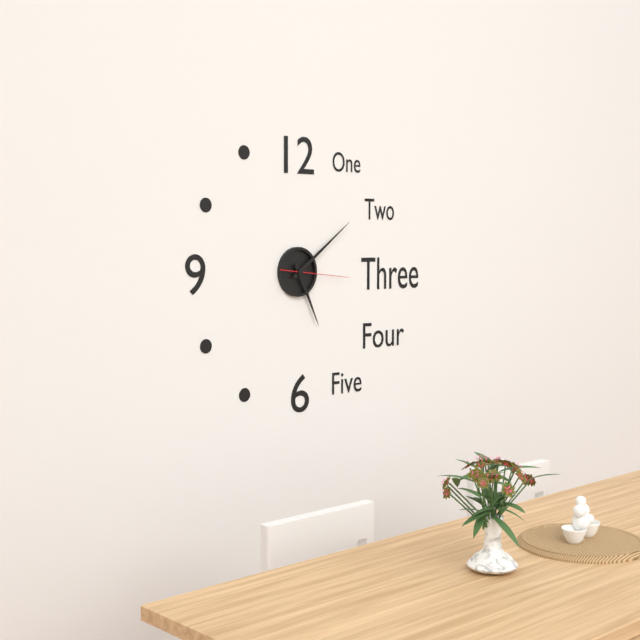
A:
5h09m16s
